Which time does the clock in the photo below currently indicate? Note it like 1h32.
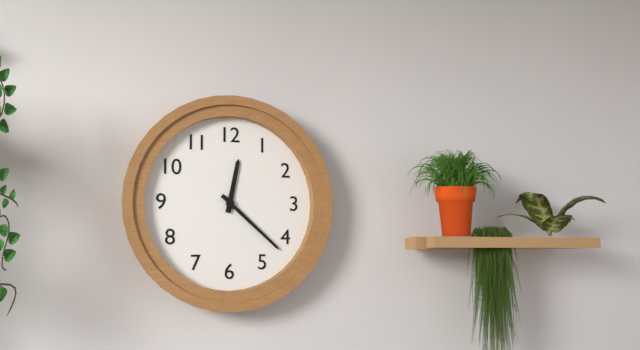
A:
12h22
